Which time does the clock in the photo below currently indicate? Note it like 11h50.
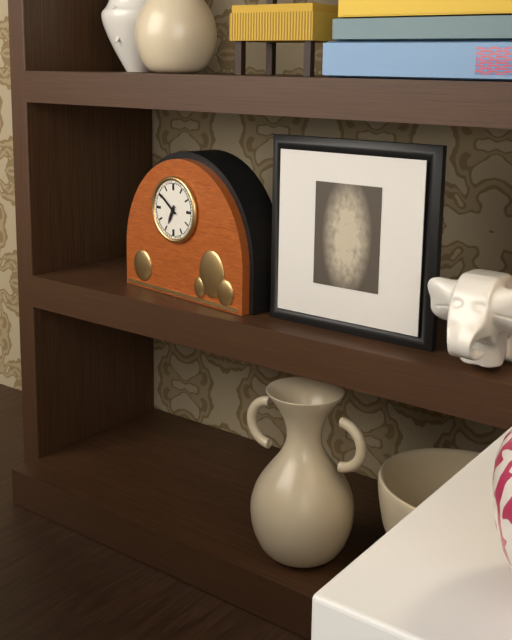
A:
6h51
